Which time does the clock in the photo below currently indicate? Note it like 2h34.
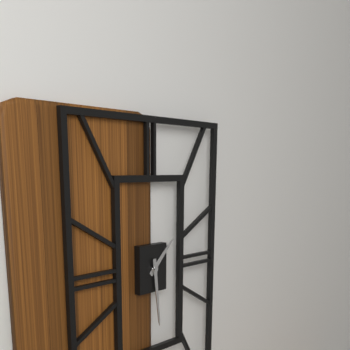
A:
1h29
